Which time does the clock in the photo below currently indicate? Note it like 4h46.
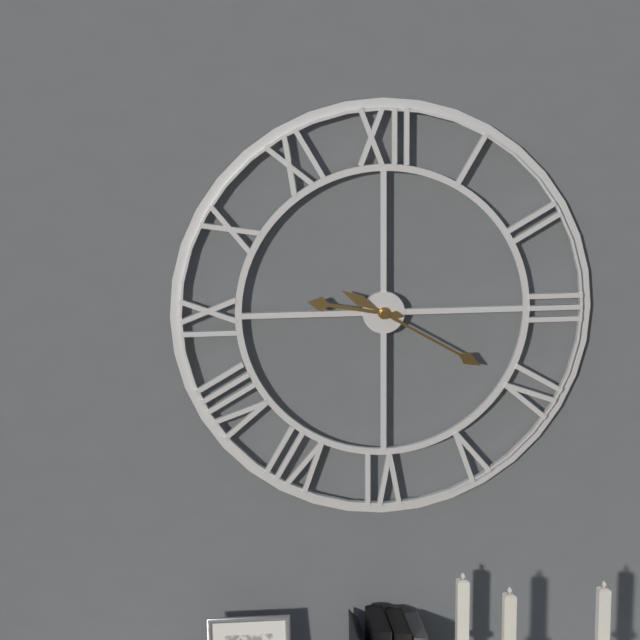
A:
9h20
